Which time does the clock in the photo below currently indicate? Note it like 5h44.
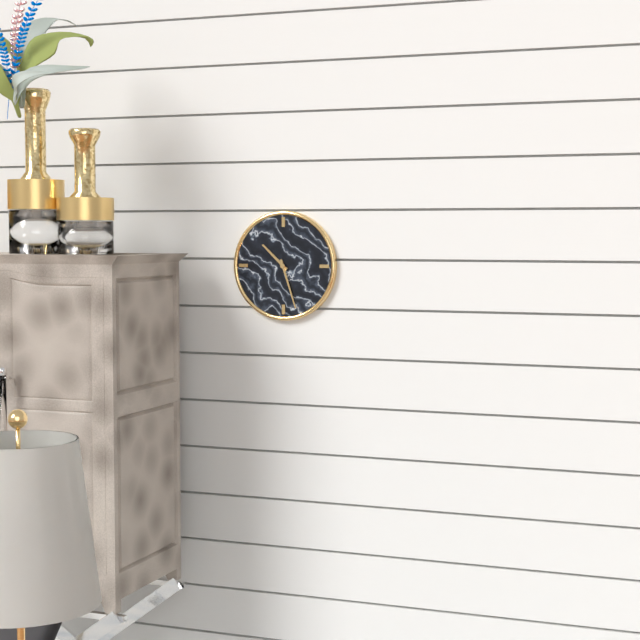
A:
10h27
